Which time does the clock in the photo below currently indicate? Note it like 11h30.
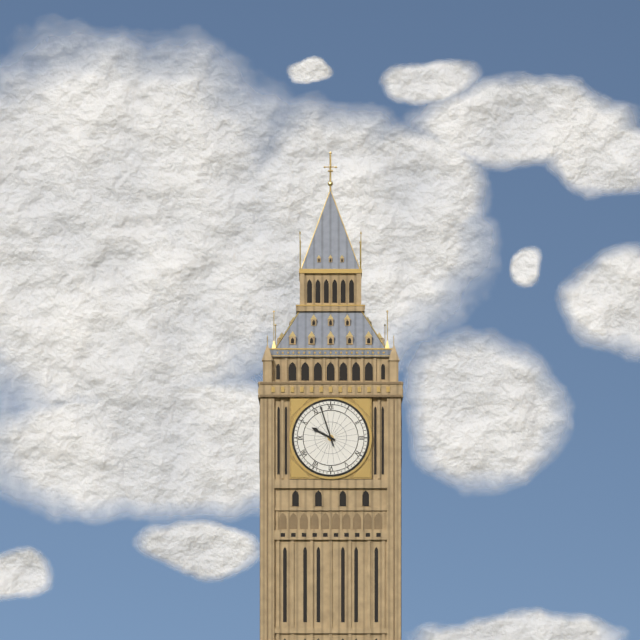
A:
9h57
